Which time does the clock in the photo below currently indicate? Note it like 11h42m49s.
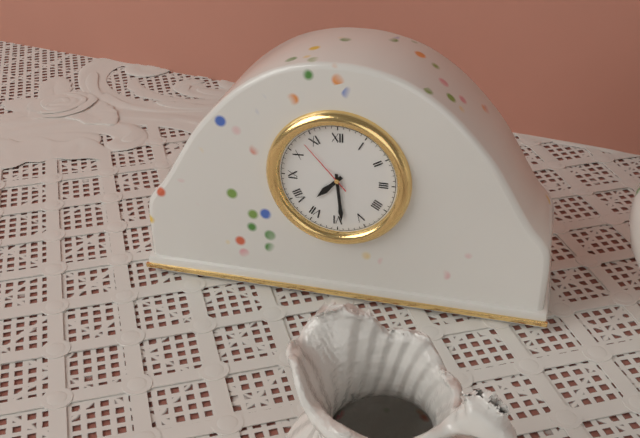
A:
7h29m53s
